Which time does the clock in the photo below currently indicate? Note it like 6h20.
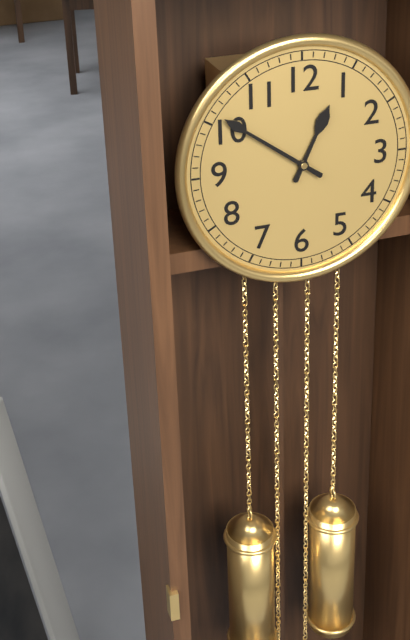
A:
12h51
